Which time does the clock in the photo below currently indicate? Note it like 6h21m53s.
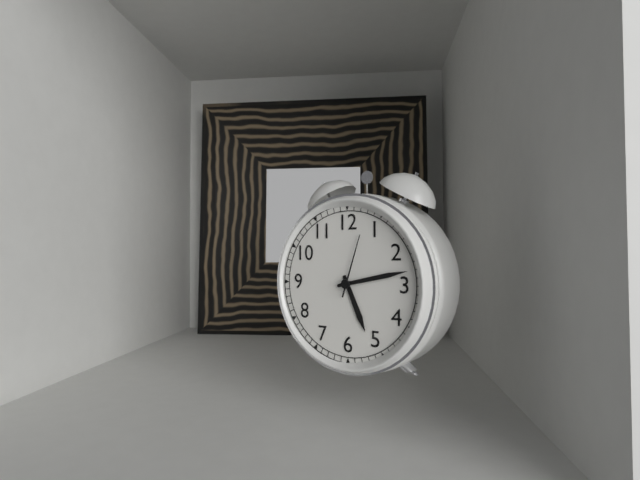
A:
5h13m03s
